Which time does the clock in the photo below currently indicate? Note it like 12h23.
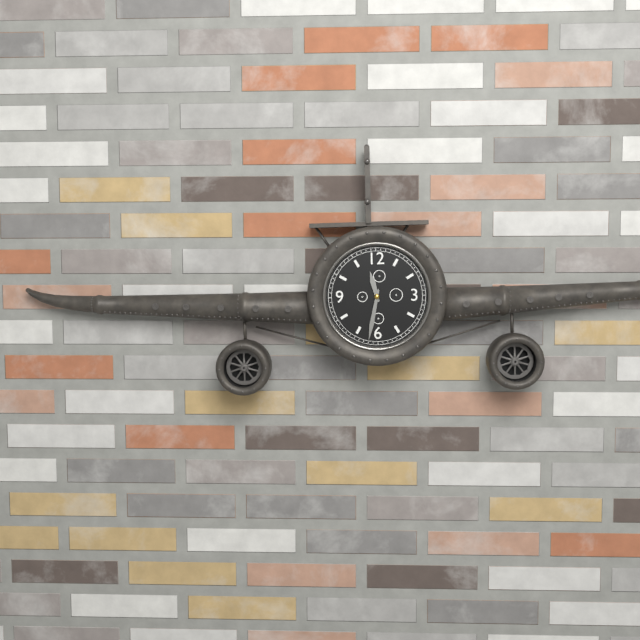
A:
11h32
